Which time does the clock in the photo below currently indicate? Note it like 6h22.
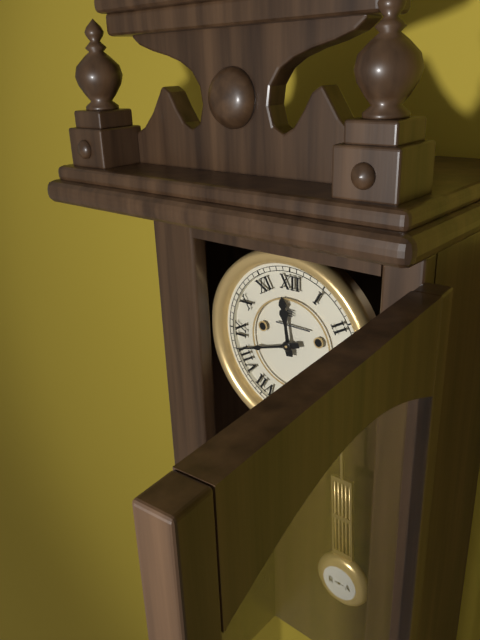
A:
11h42
